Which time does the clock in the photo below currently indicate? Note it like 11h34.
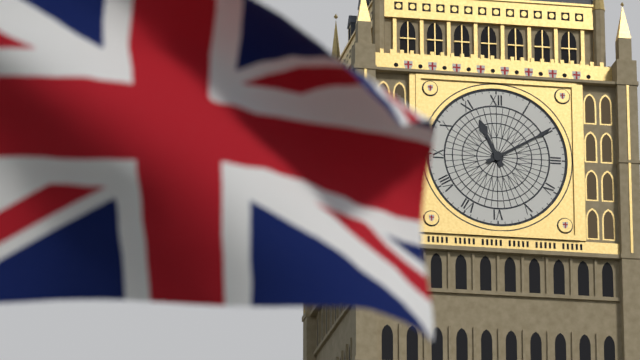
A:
11h10
